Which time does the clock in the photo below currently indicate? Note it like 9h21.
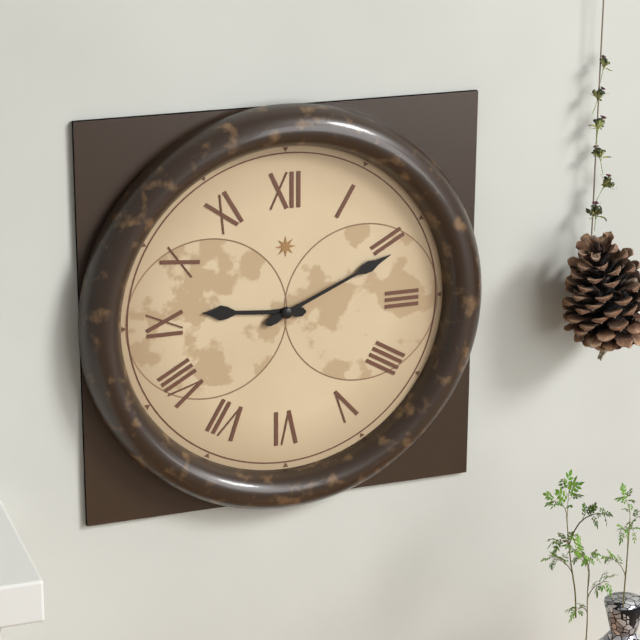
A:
9h11
